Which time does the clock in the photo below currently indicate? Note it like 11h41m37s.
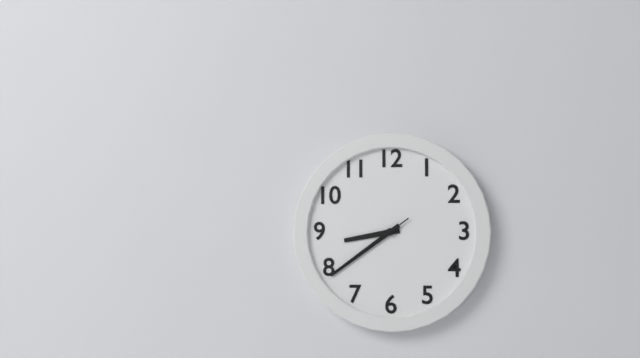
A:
8h39m39s
